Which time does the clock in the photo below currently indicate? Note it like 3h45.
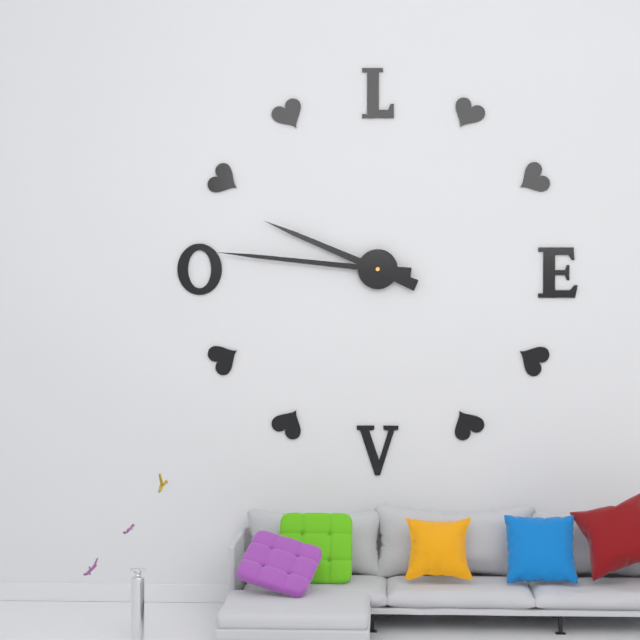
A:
9h46
